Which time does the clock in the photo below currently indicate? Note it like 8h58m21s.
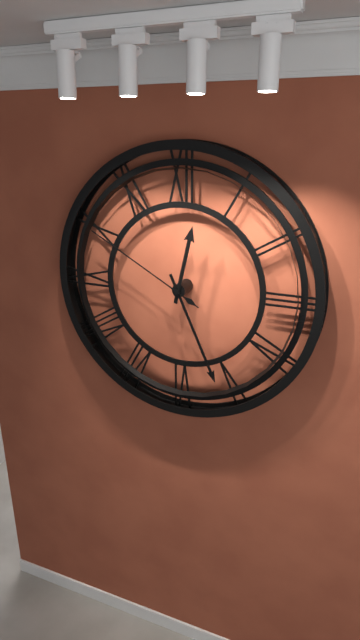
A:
12h26m50s
